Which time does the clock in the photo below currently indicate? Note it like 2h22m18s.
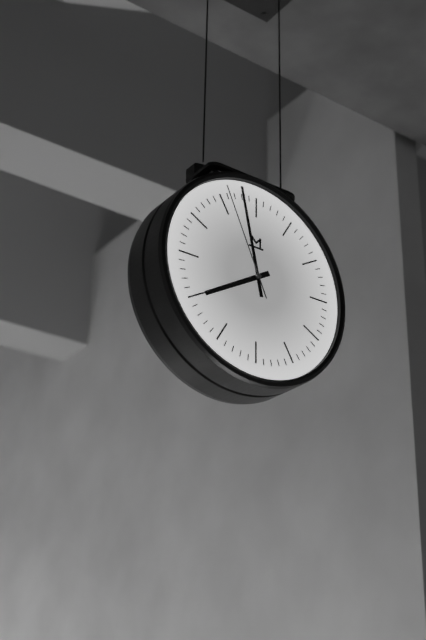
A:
7h58m56s
